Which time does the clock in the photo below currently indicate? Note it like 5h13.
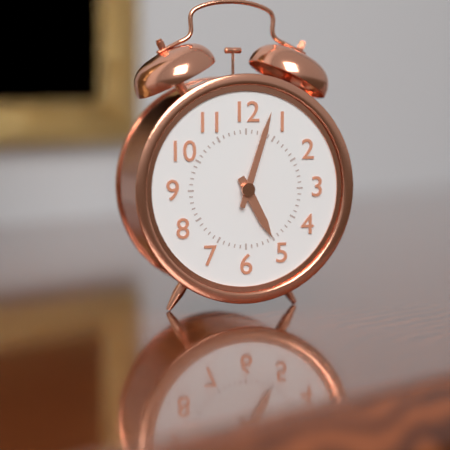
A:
5h03
